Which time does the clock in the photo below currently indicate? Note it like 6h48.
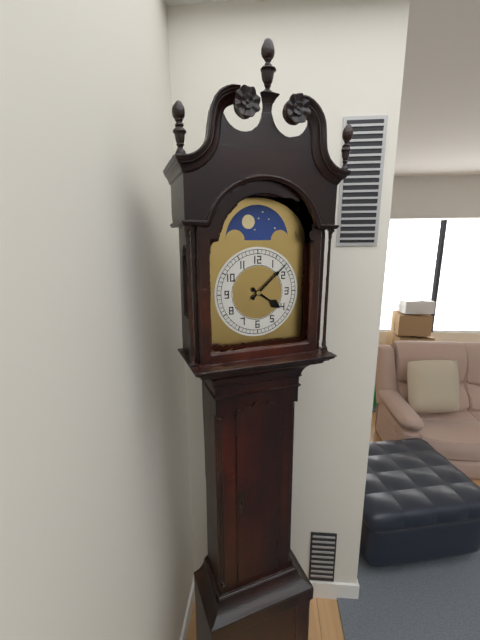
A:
4h08
